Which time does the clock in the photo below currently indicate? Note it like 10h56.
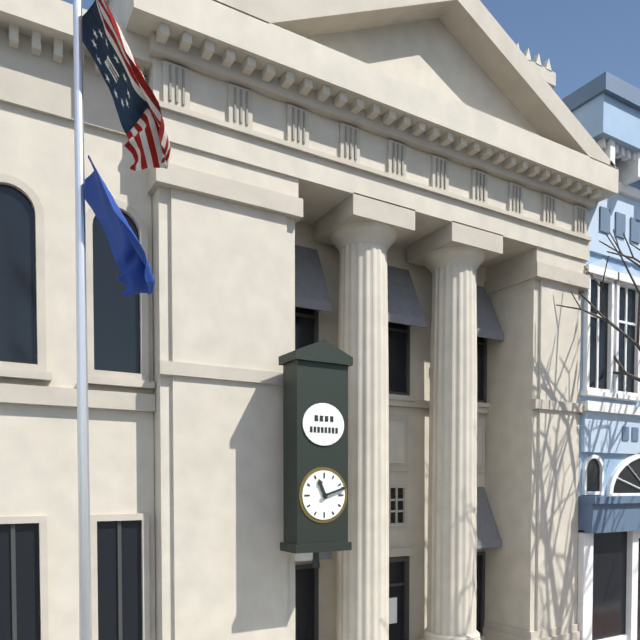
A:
11h12
